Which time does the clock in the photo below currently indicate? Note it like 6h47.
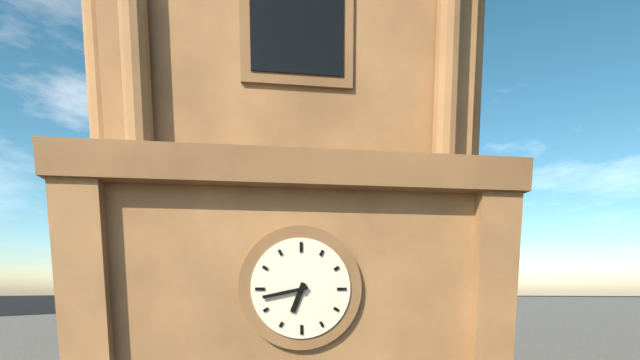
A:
6h43
